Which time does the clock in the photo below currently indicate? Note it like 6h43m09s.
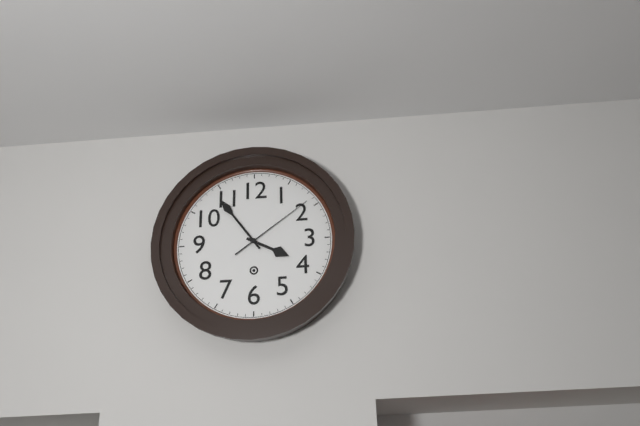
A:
3h54m09s
